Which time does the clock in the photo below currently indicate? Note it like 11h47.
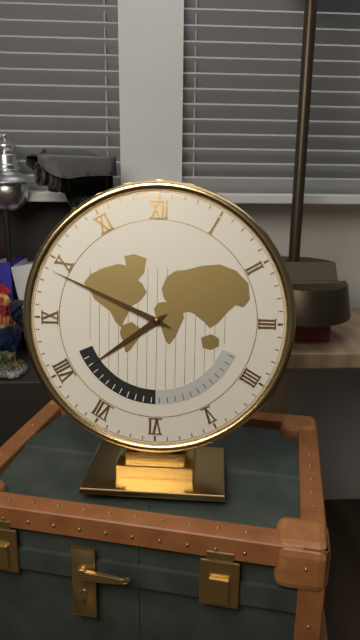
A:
7h49
